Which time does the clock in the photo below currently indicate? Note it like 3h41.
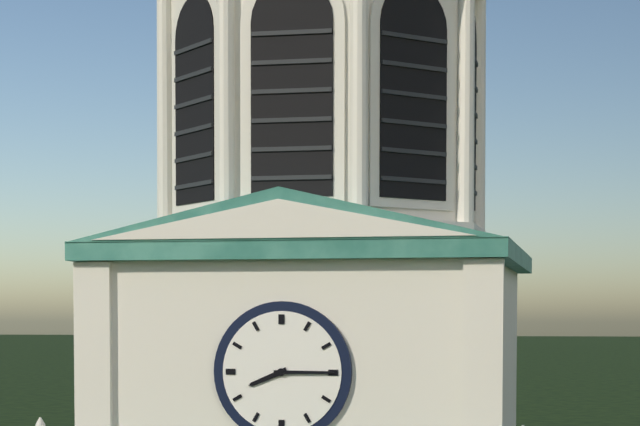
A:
8h15
